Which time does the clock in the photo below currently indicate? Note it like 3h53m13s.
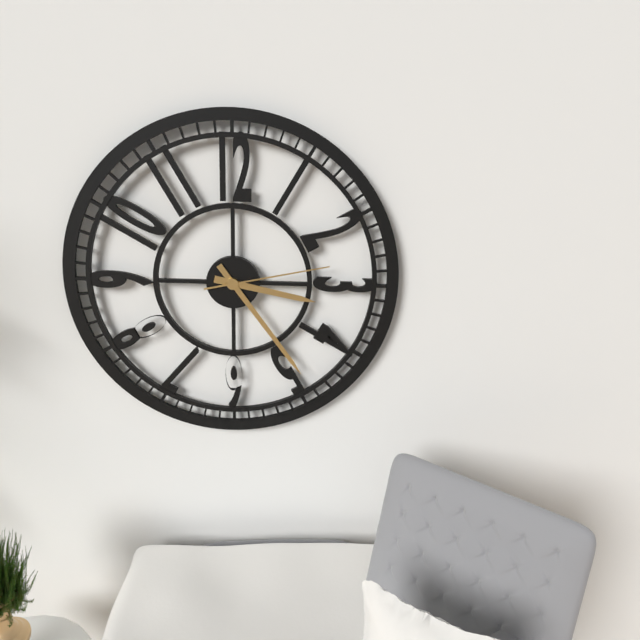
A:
3h24m13s
